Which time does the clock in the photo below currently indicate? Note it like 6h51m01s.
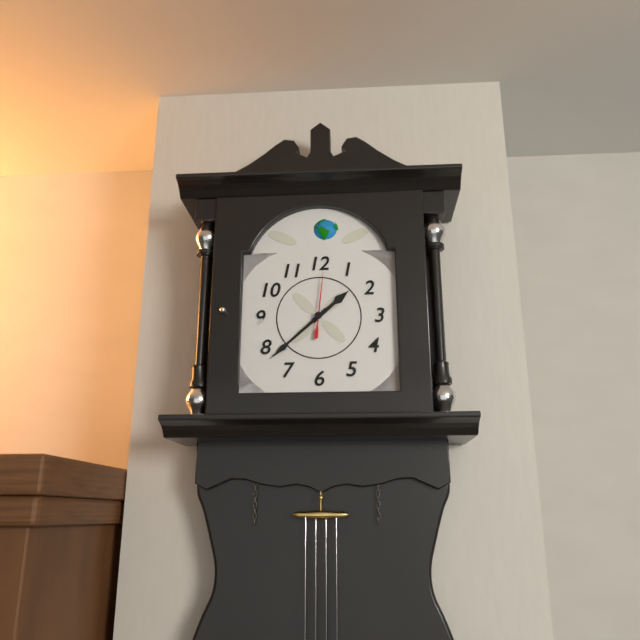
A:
1h38m01s
